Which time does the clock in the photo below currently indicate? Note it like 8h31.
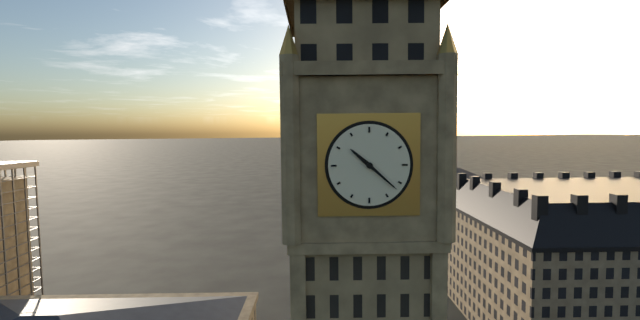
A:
10h22
